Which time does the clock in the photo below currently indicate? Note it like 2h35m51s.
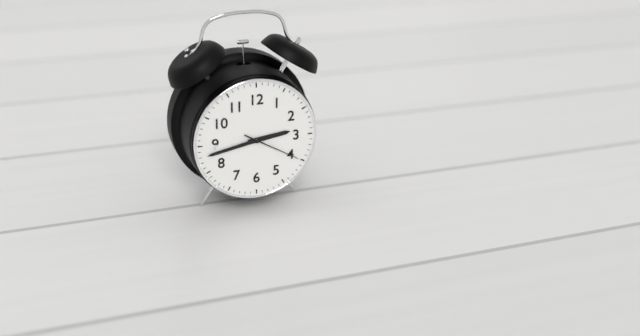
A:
2h43m20s
